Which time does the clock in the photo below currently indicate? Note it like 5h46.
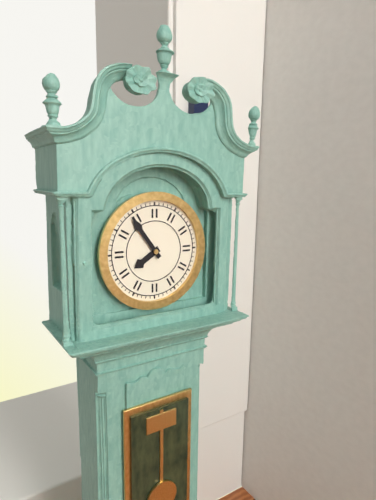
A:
7h54
